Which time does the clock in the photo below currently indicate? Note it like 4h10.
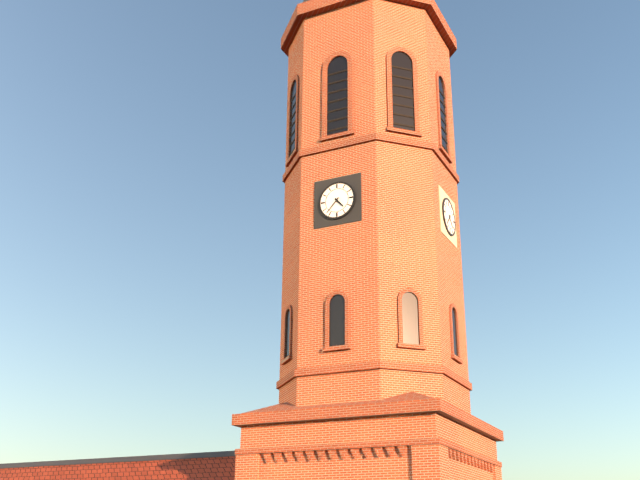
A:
4h37
